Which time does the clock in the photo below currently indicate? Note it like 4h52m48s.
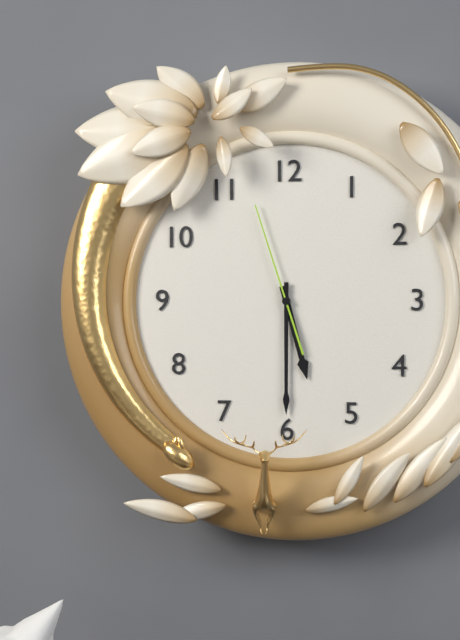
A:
5h30m57s
